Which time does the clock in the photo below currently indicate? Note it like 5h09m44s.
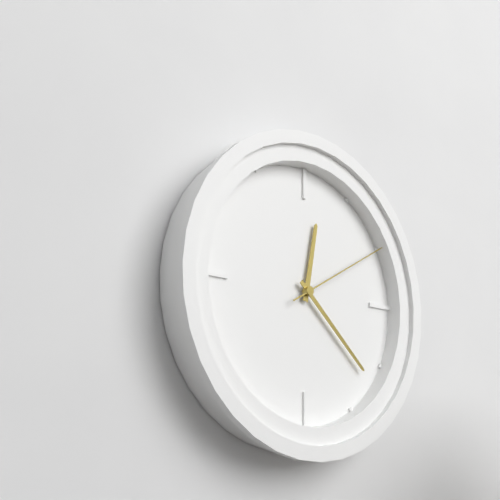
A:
12h22m10s
